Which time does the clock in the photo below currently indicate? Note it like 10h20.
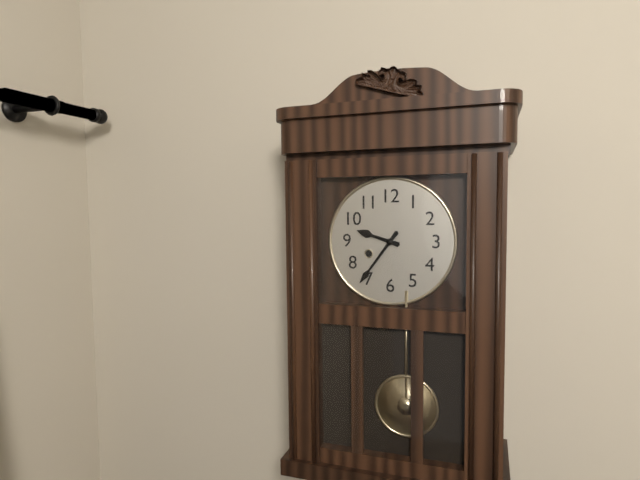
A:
9h36
